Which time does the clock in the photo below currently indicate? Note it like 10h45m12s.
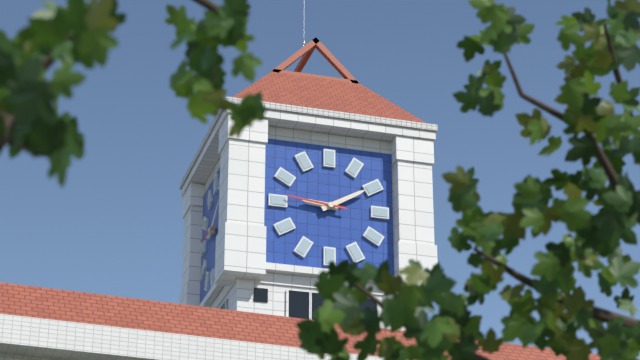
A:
9h10m46s
